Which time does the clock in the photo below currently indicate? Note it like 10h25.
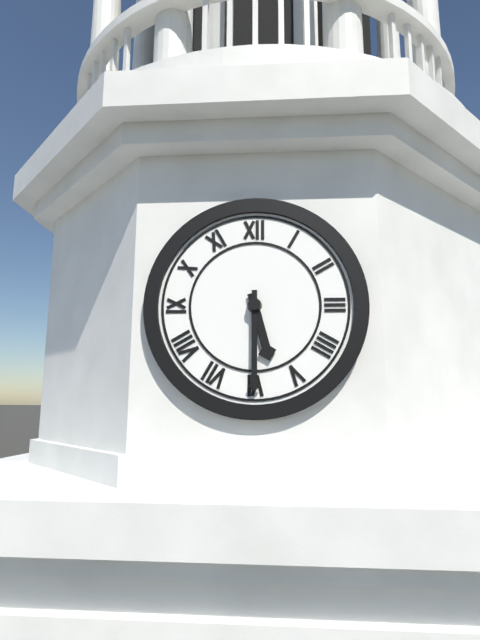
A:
5h30
